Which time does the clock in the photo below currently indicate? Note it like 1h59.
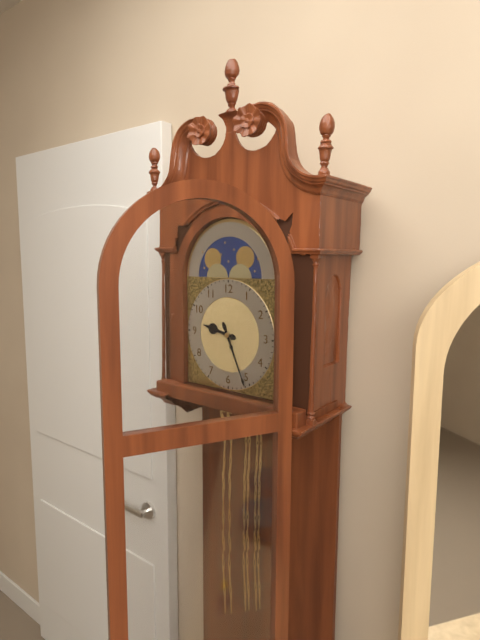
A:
9h26
